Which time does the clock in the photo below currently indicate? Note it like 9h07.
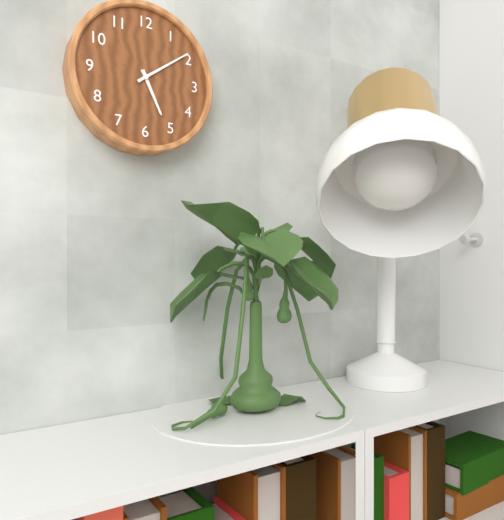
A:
5h09
